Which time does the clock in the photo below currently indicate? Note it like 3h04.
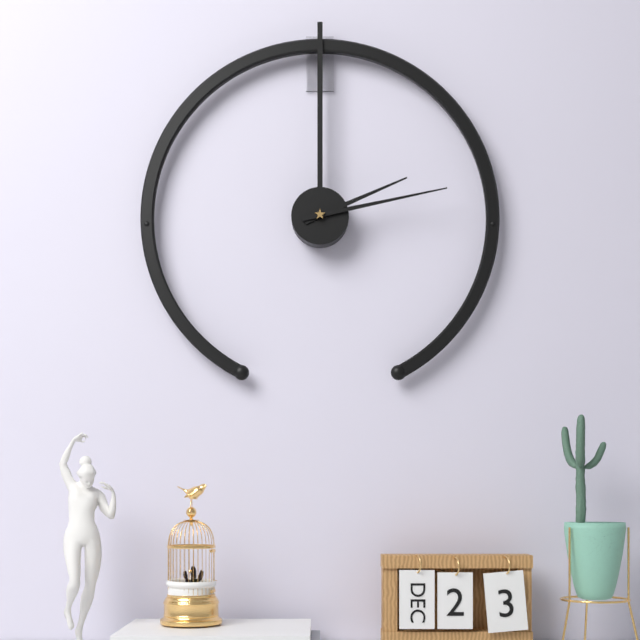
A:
2h13
